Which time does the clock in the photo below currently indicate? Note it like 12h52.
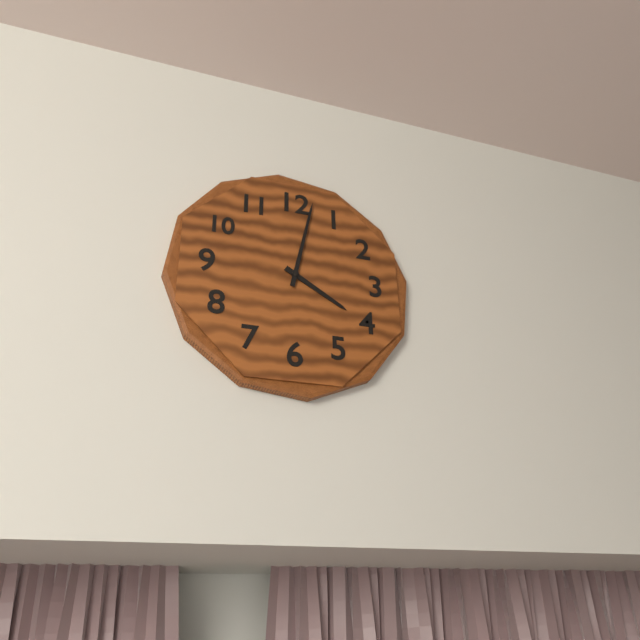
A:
4h02
